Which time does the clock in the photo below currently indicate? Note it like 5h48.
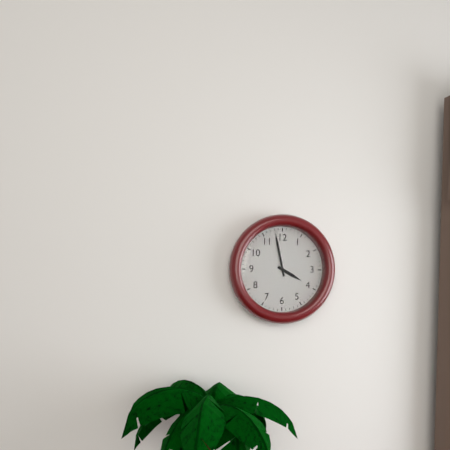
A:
3h58
